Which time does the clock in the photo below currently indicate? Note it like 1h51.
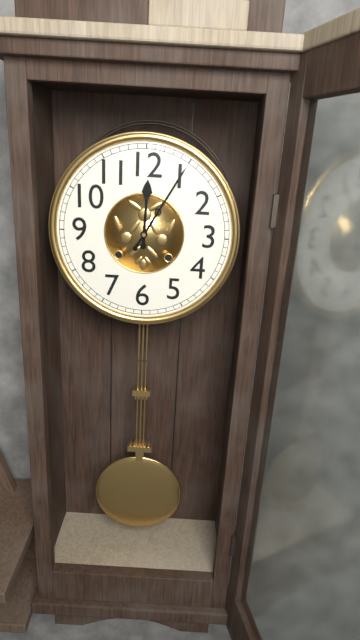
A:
12h05
